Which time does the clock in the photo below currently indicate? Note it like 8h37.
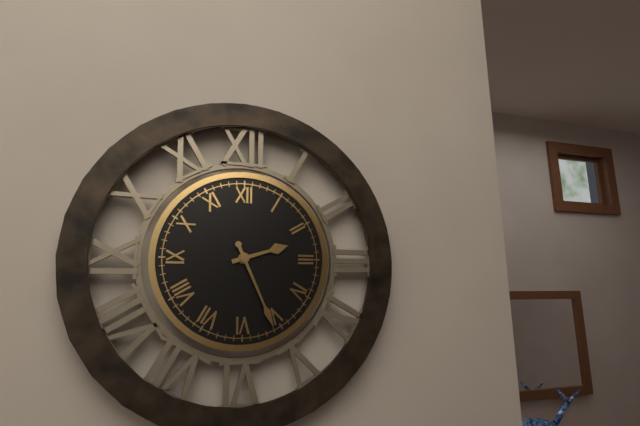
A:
2h26
